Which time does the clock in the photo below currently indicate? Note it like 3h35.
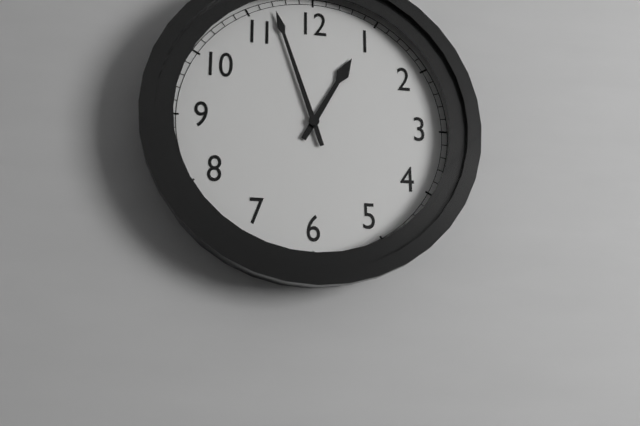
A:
12h57
